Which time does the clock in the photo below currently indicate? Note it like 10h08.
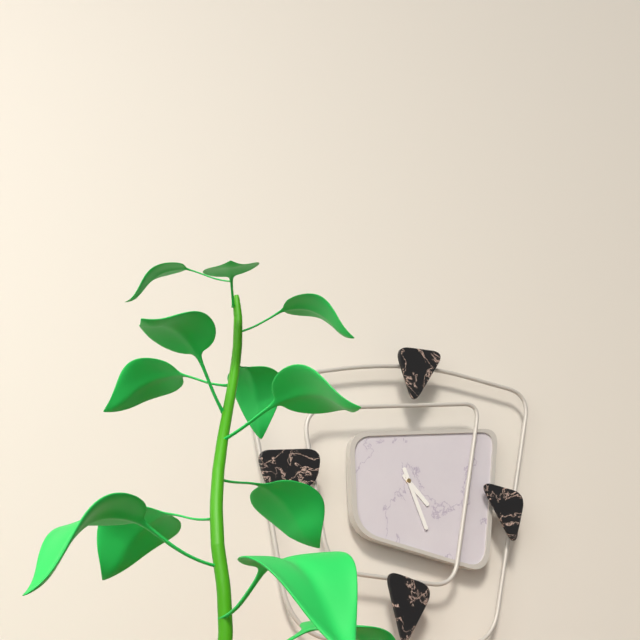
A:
4h26
